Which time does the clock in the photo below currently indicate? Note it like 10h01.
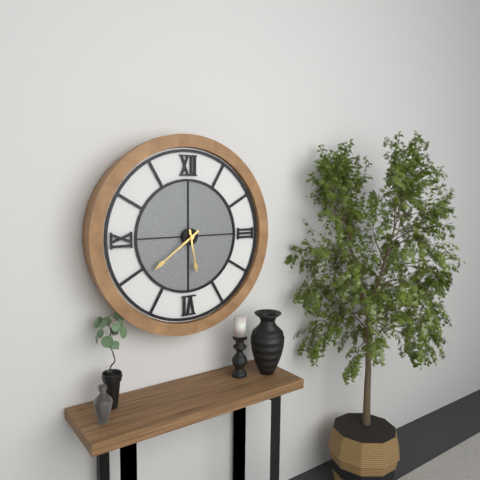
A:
5h39
